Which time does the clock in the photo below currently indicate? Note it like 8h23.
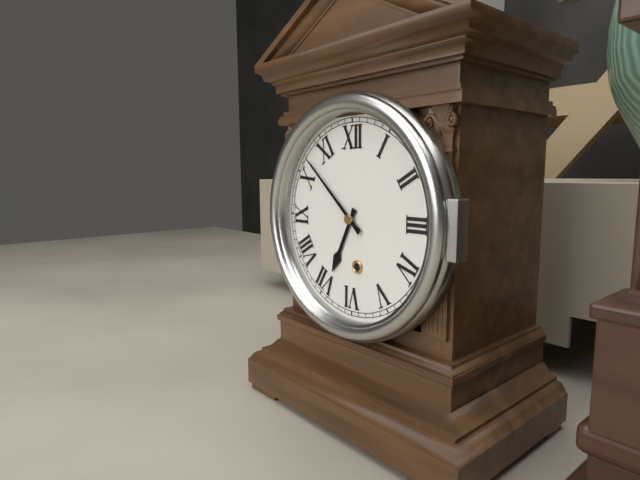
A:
6h52
